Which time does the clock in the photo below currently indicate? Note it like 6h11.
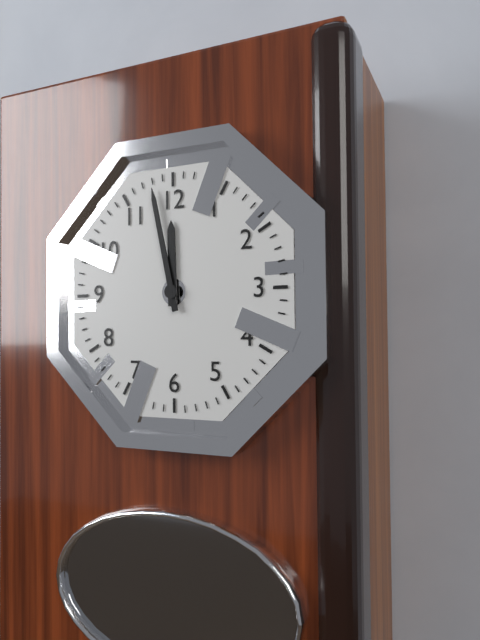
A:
11h58
